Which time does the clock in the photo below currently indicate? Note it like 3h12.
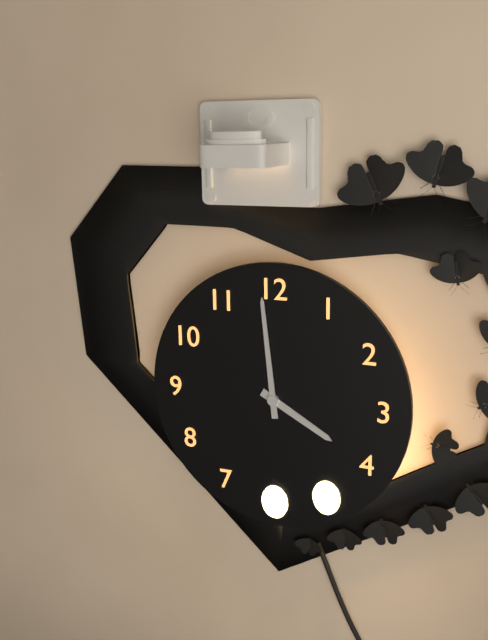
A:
3h59
